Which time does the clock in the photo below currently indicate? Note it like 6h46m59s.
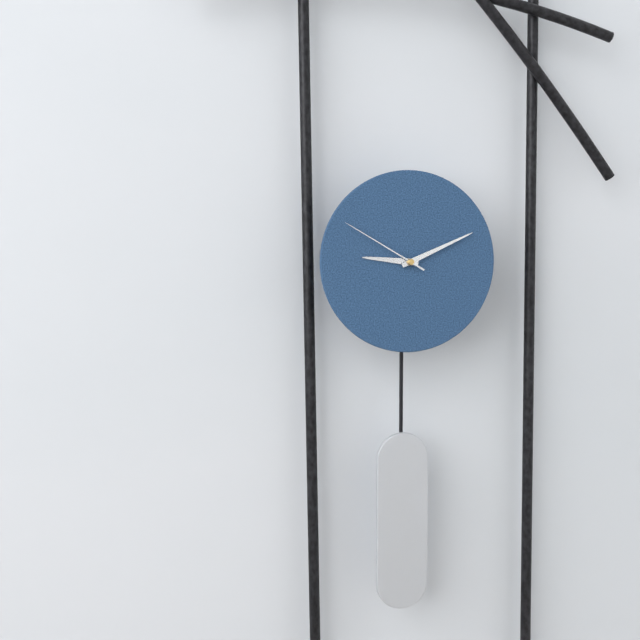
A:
9h11m50s
